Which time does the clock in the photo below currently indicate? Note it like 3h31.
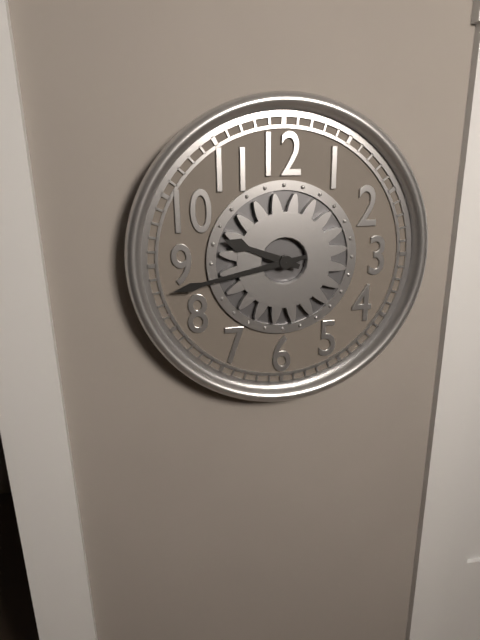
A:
9h43
